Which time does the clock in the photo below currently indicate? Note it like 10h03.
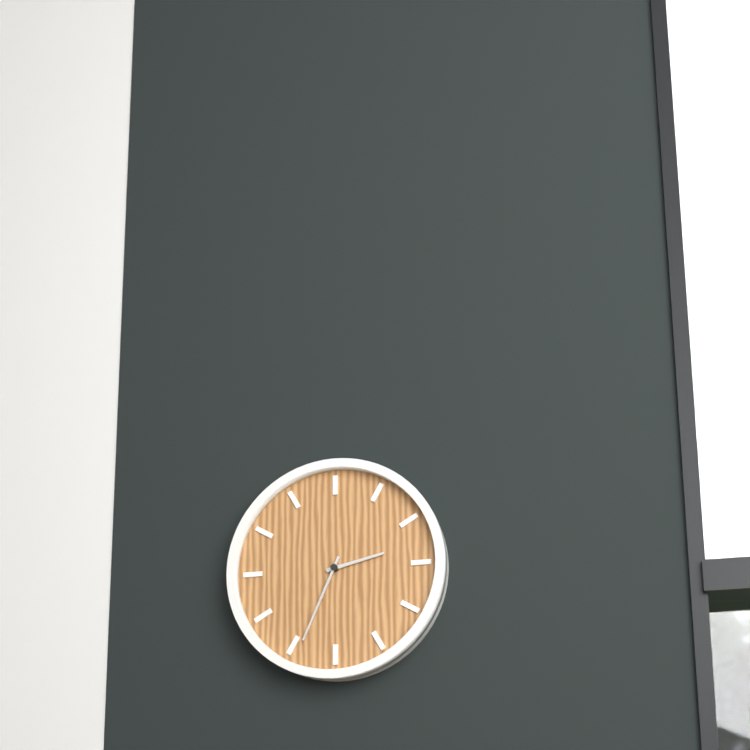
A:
2h34
